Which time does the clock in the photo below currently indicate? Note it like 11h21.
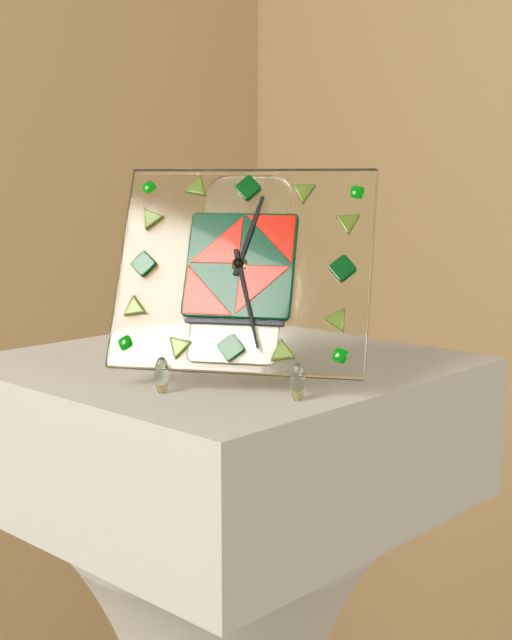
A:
12h27
